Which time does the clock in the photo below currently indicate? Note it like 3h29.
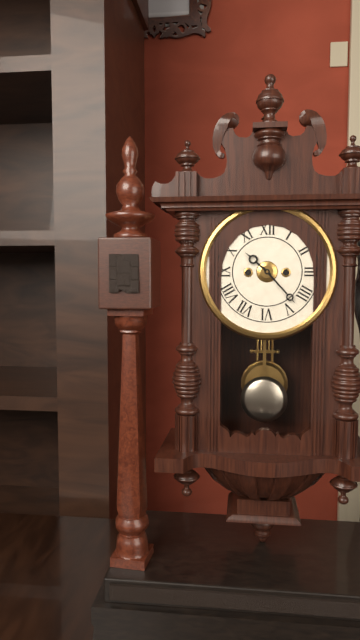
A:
10h23
